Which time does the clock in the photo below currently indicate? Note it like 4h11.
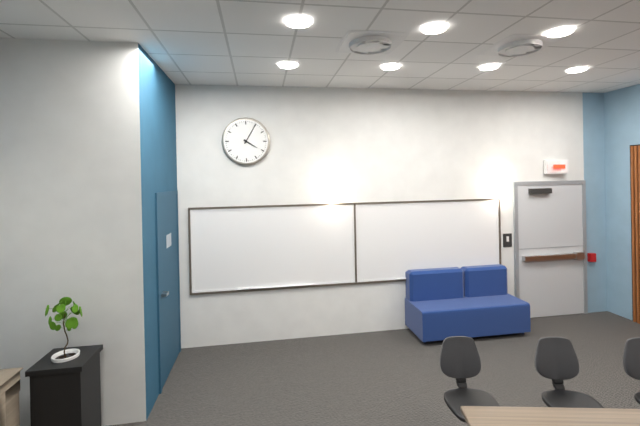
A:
4h05
